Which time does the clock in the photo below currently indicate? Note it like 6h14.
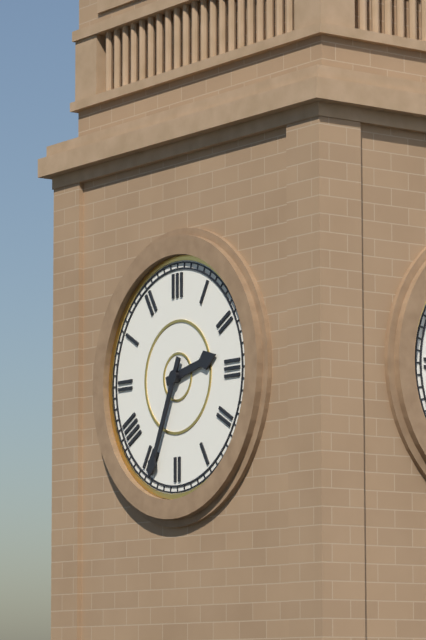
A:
2h34
